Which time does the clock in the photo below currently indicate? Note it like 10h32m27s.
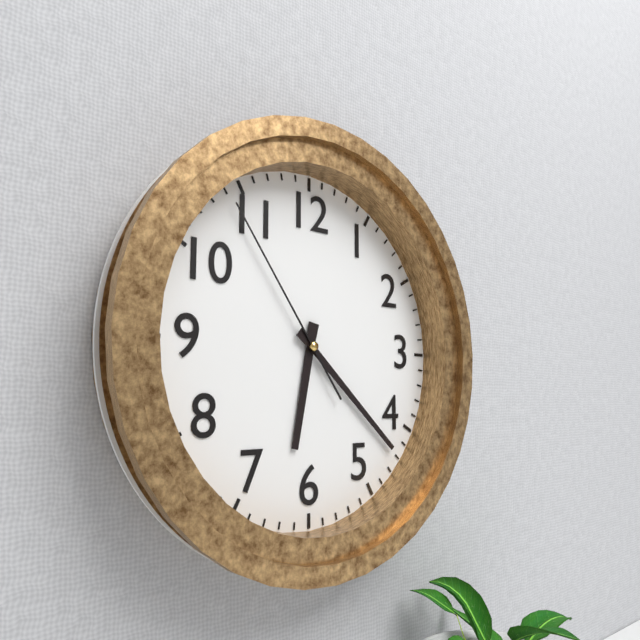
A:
6h22m54s
